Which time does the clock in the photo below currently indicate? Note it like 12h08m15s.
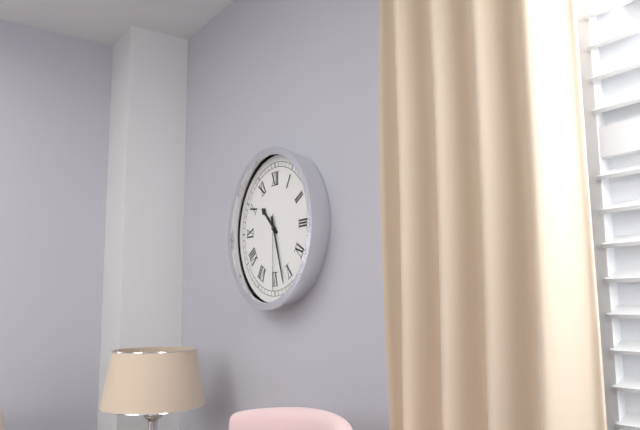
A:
10h27m30s
